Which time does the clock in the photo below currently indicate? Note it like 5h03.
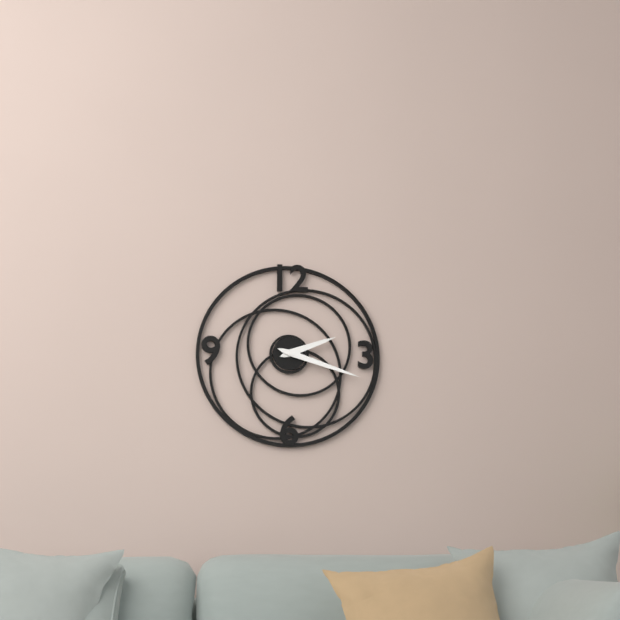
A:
2h18
